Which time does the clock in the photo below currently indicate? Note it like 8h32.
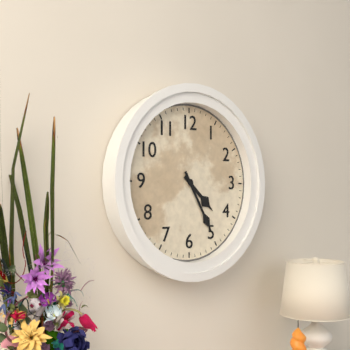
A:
4h25
